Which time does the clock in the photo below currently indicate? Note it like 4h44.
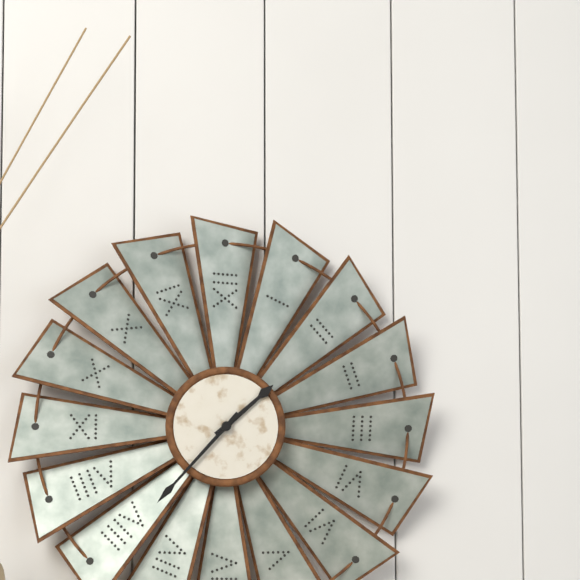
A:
1h37
